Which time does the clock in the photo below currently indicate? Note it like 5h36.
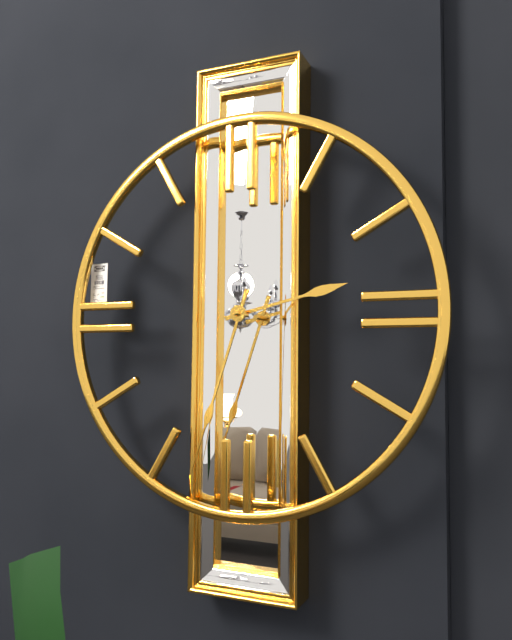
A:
2h33
